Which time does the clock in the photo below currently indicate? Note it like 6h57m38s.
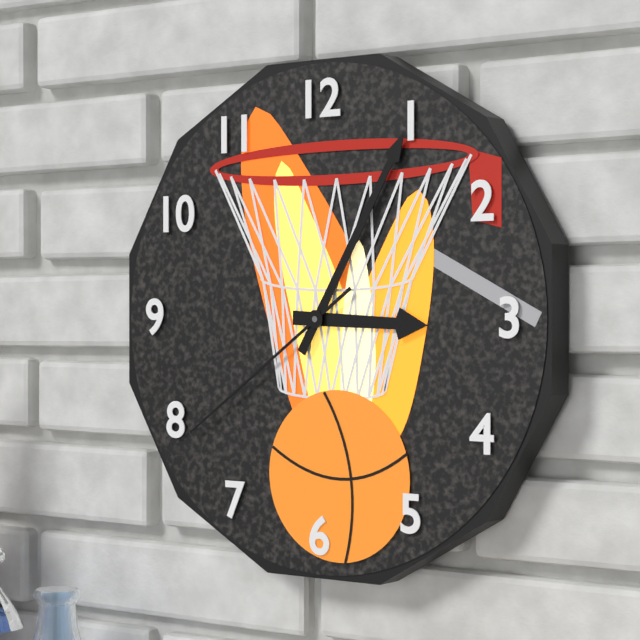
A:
3h05m39s
